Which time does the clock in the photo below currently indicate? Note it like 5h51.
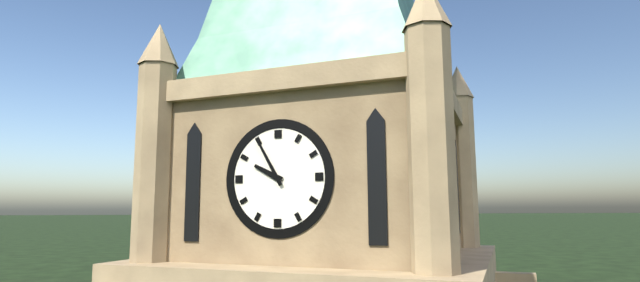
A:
9h55
